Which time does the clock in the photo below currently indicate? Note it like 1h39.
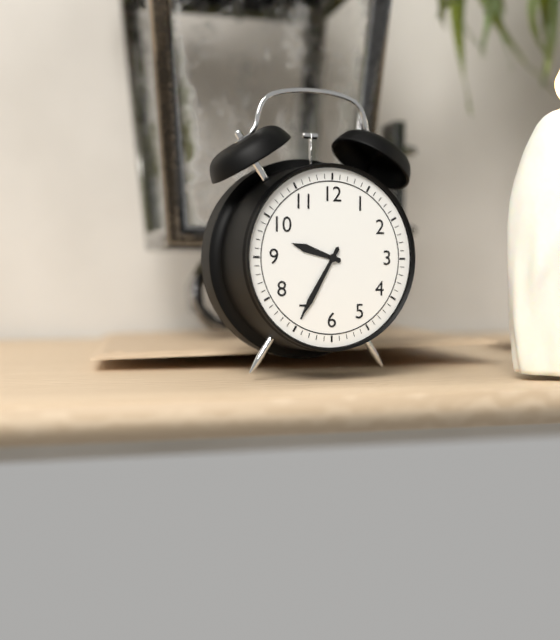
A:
9h35
